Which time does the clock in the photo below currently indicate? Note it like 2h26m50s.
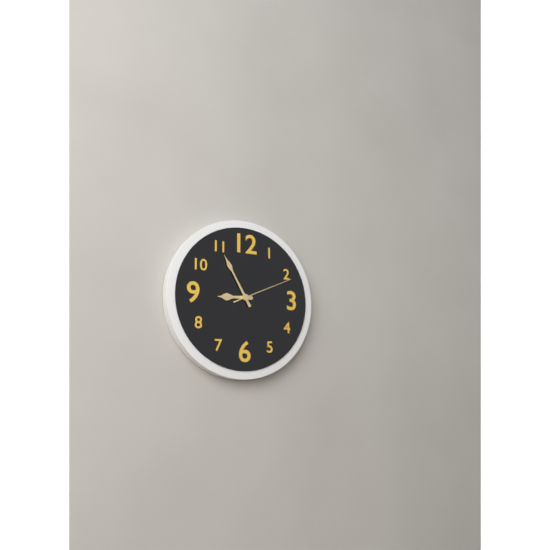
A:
8h55m11s
